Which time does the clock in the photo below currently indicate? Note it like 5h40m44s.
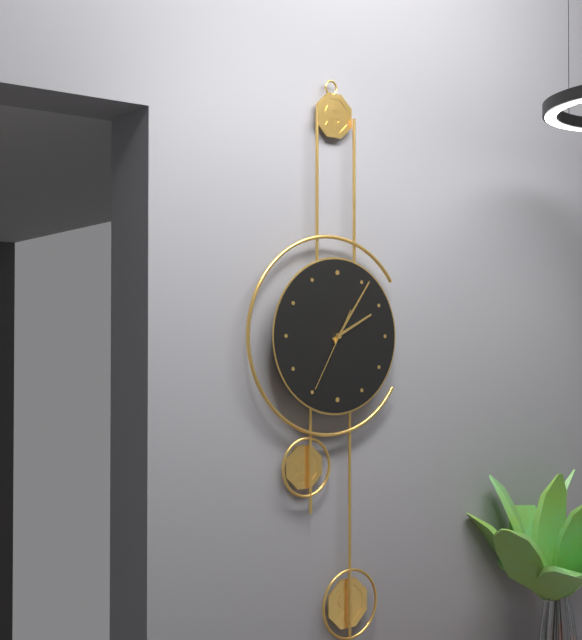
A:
2h06m35s
